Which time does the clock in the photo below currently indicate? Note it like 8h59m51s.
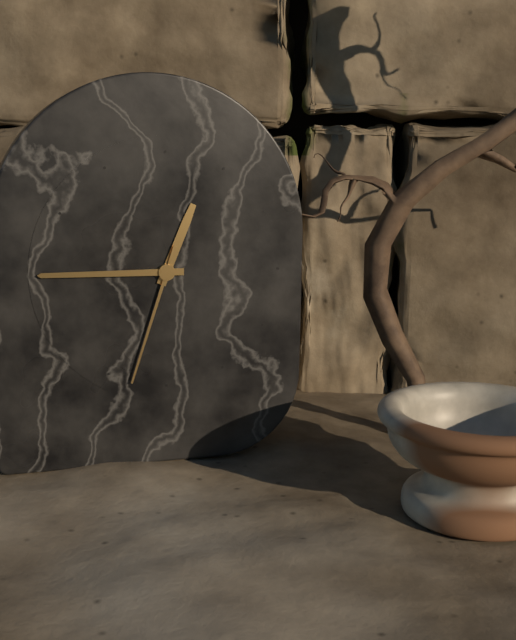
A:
12h45m33s
